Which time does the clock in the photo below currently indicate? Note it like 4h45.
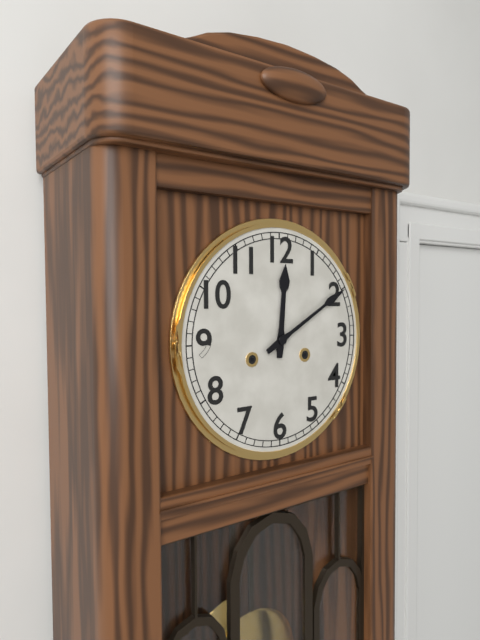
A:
12h10
